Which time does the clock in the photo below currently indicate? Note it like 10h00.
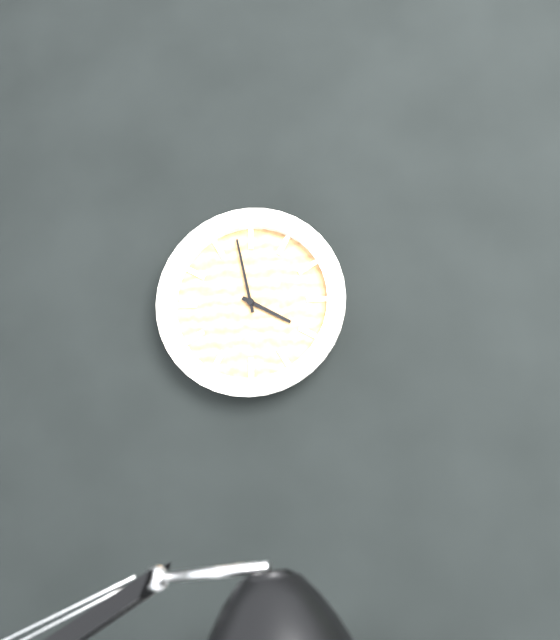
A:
3h58
